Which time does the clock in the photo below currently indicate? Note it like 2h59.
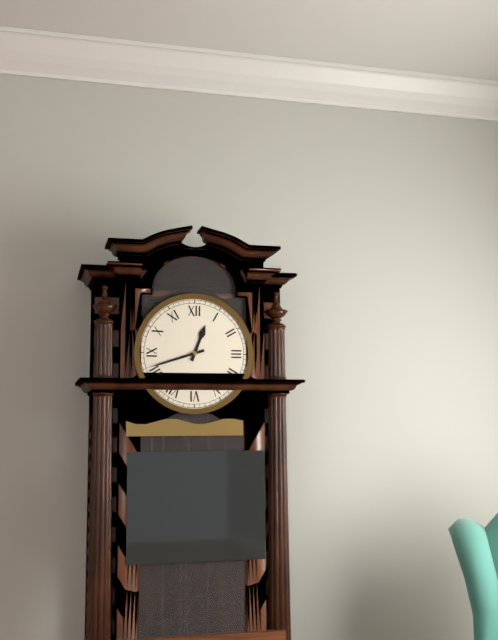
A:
12h42
